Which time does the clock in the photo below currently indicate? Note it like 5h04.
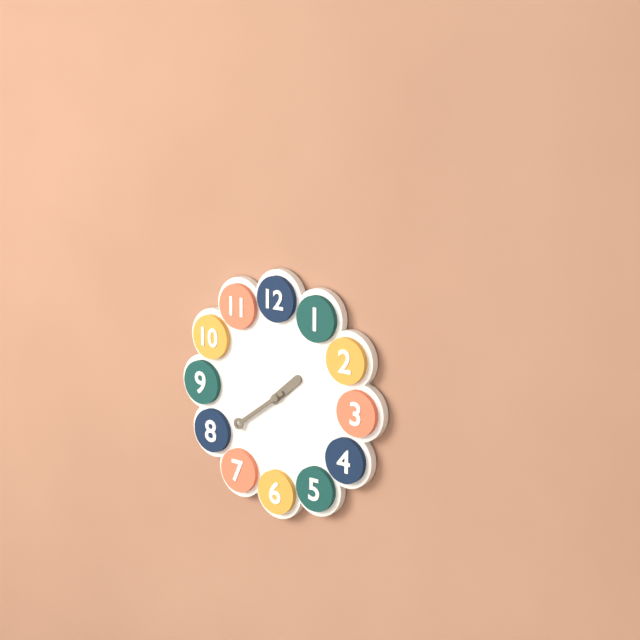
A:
1h39
